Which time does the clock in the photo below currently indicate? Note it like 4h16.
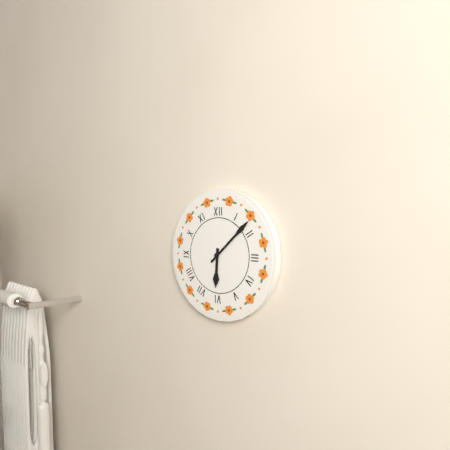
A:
6h08
